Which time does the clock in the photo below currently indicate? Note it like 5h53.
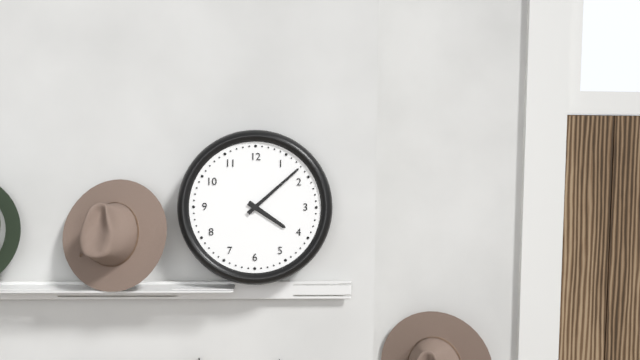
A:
4h08
